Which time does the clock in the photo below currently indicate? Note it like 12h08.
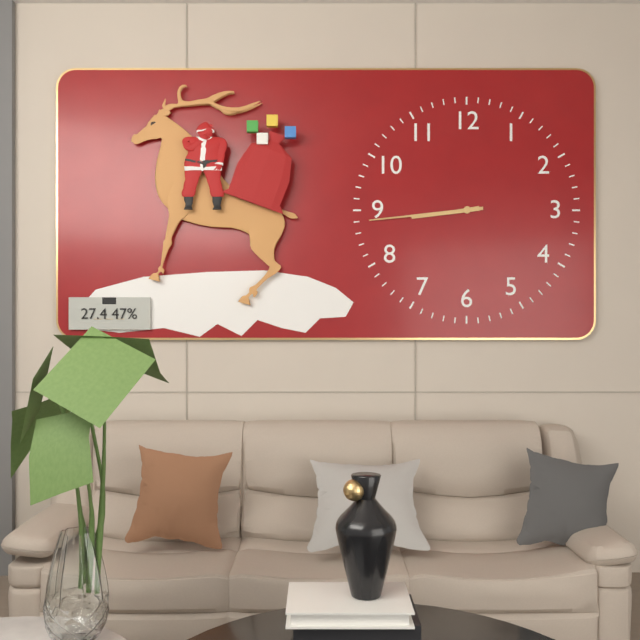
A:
8h44
